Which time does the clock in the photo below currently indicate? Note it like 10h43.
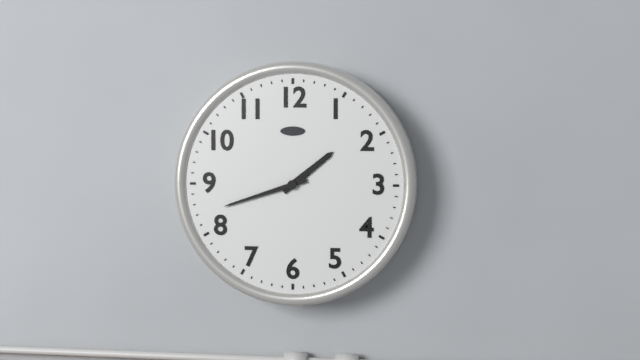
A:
1h42
